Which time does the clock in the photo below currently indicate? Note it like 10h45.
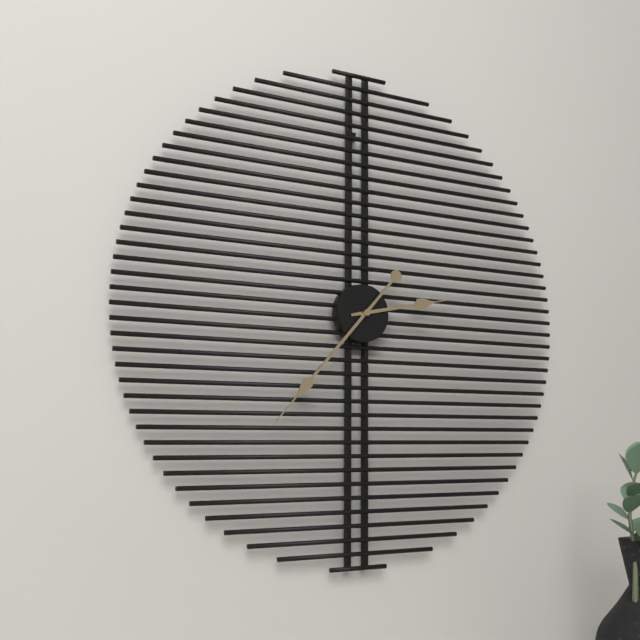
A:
2h37
